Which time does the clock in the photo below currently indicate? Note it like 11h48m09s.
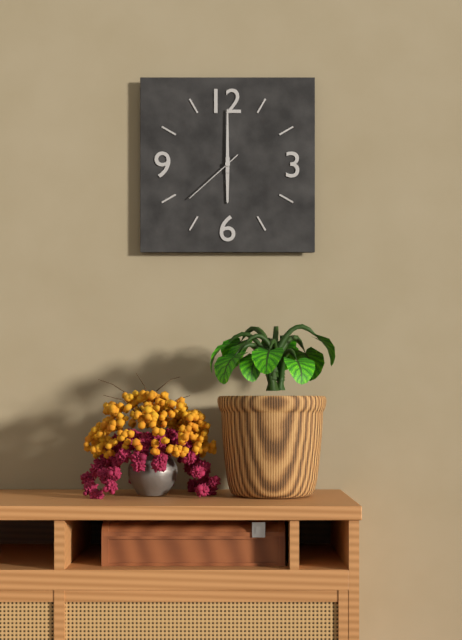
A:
6h00m38s
